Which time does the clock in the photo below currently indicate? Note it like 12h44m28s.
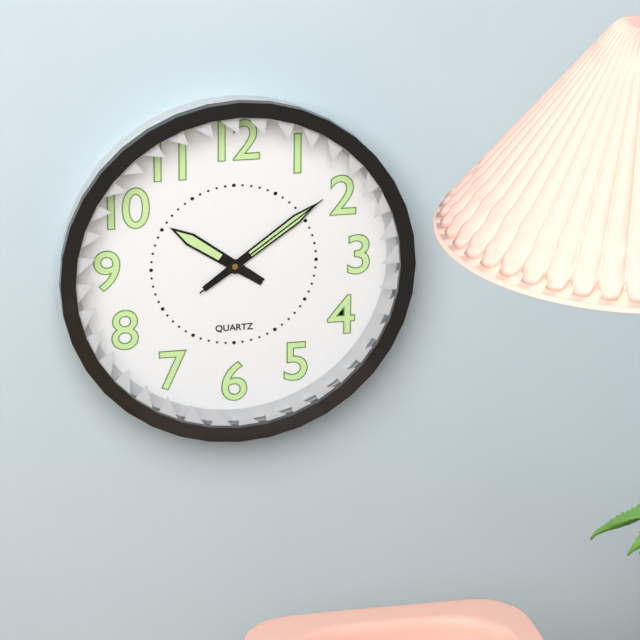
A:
10h09m09s
